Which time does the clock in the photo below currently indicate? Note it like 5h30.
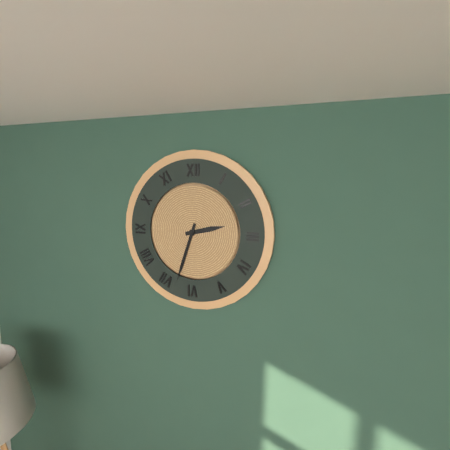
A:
2h33
